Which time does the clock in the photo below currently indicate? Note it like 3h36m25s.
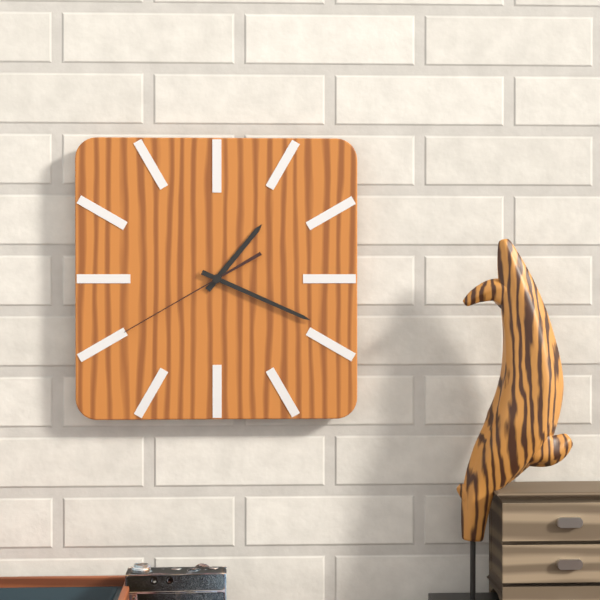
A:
1h19m40s
